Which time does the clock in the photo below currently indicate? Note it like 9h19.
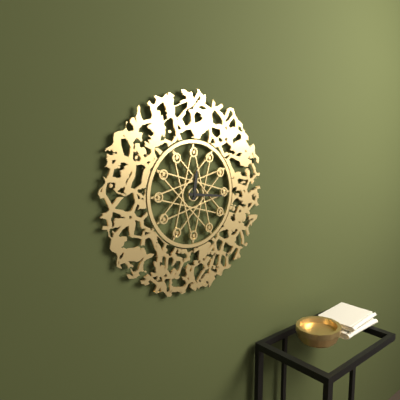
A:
12h16
